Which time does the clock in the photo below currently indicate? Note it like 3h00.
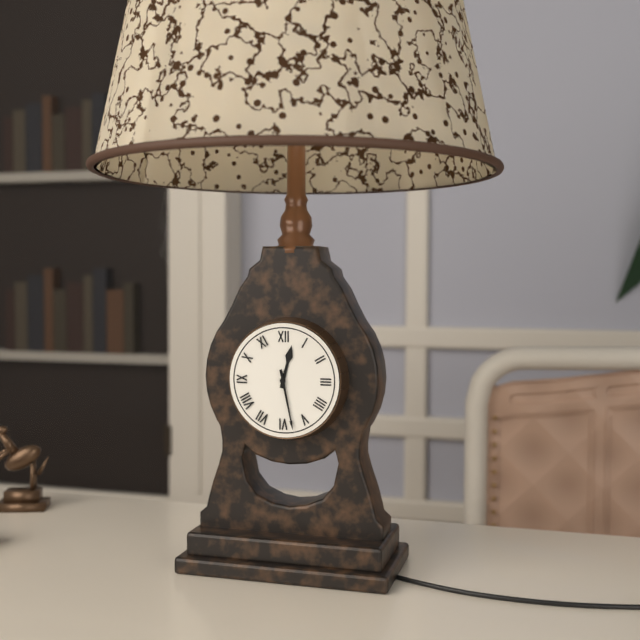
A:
12h28
